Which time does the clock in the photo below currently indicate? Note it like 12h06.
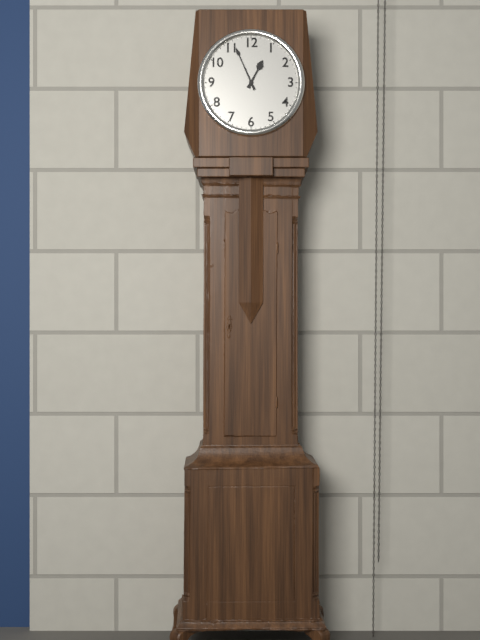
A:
12h56
